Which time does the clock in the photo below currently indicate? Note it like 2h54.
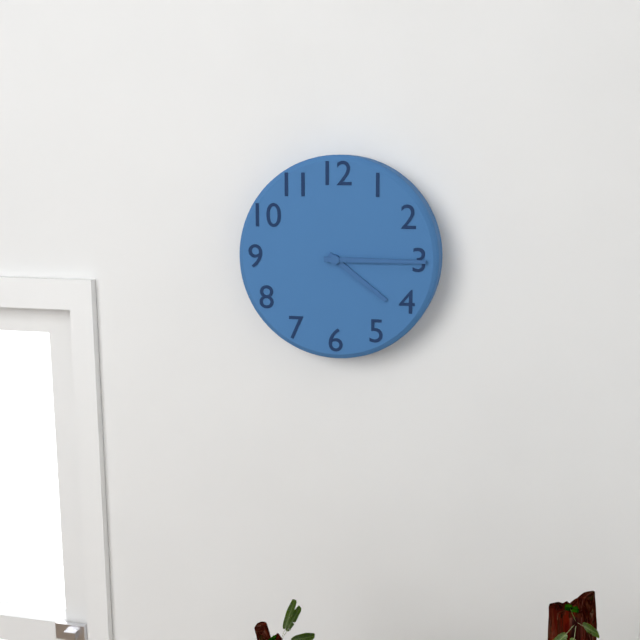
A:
4h15
